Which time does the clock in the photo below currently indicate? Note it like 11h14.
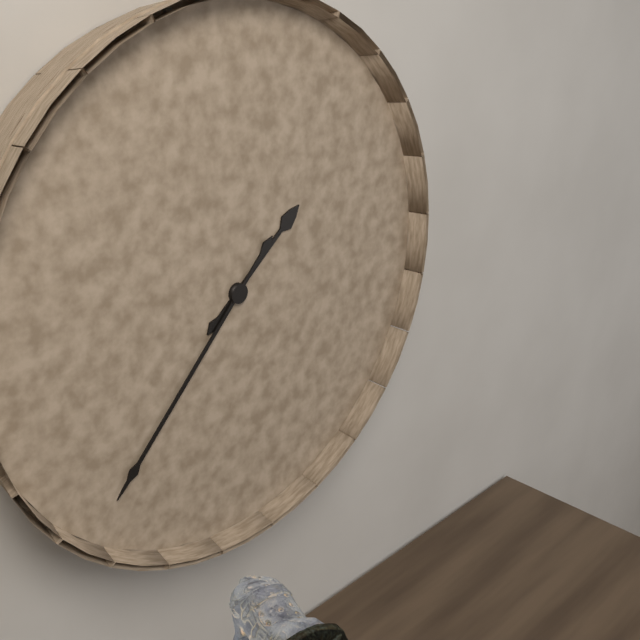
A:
1h37
